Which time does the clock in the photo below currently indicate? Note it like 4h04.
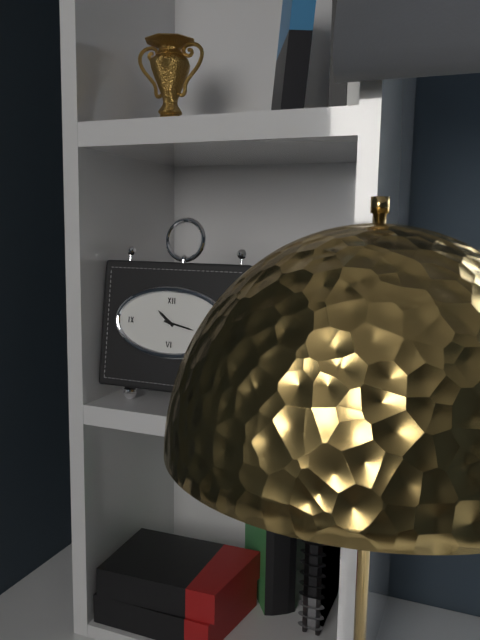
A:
10h17
